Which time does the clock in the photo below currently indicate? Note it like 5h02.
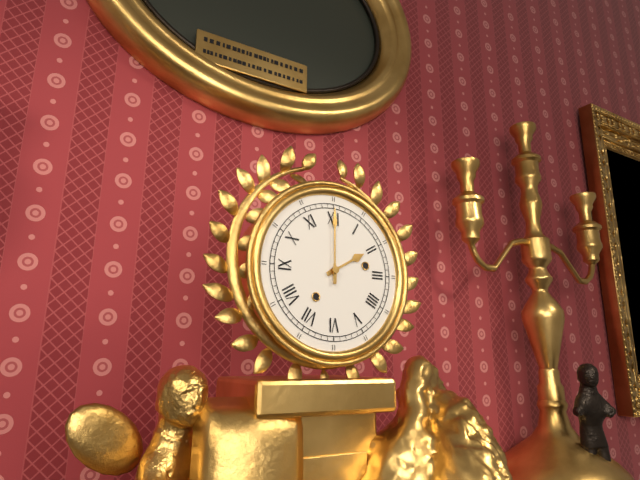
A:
2h00
